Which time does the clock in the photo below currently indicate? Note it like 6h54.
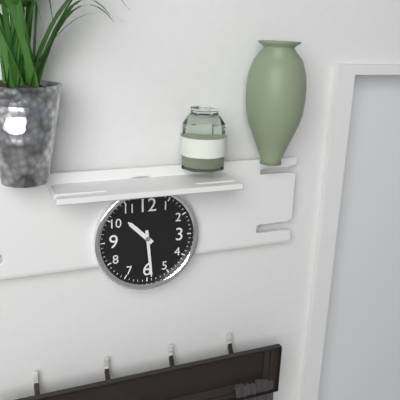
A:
10h29
